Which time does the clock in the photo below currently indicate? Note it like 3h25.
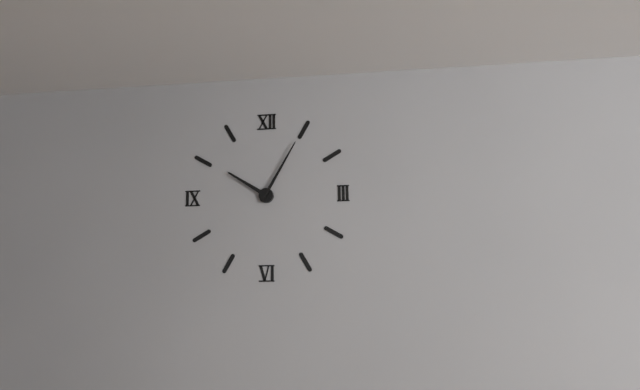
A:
10h05
